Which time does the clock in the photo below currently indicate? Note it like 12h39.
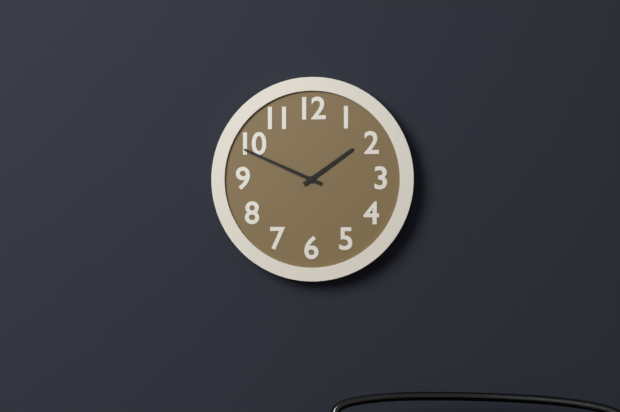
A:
1h49
